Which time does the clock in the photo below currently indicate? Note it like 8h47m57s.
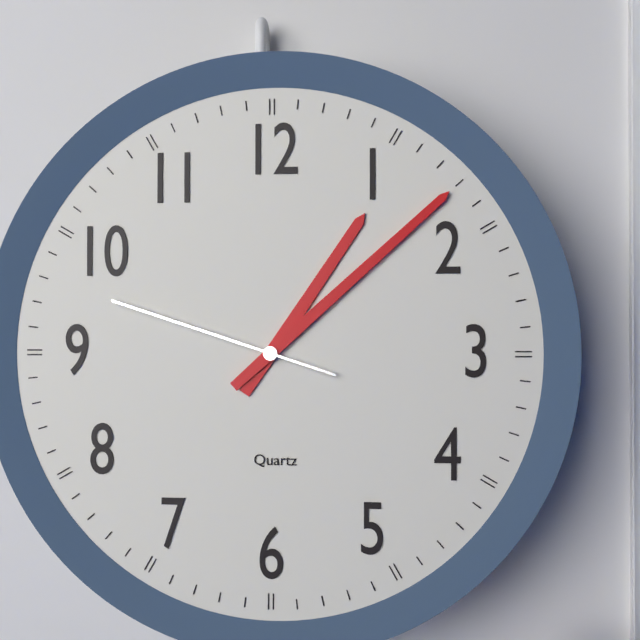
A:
1h08m48s
